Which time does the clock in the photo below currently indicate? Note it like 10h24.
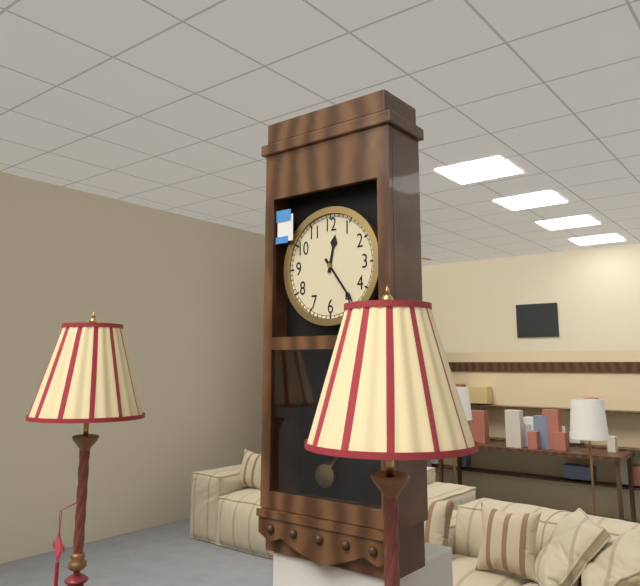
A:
12h24
